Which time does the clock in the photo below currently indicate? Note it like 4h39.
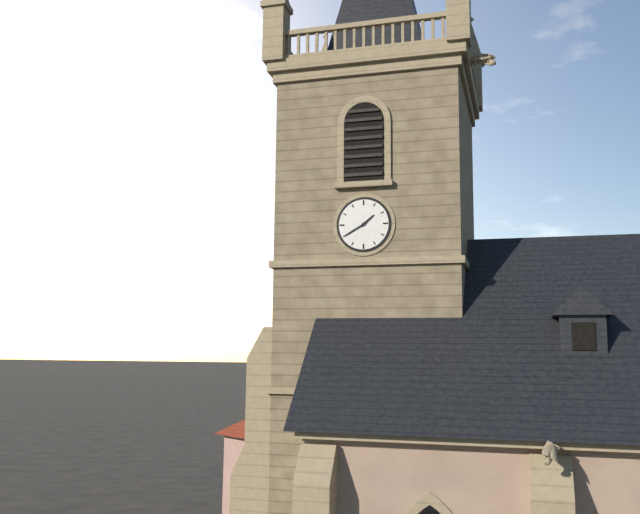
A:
1h40
